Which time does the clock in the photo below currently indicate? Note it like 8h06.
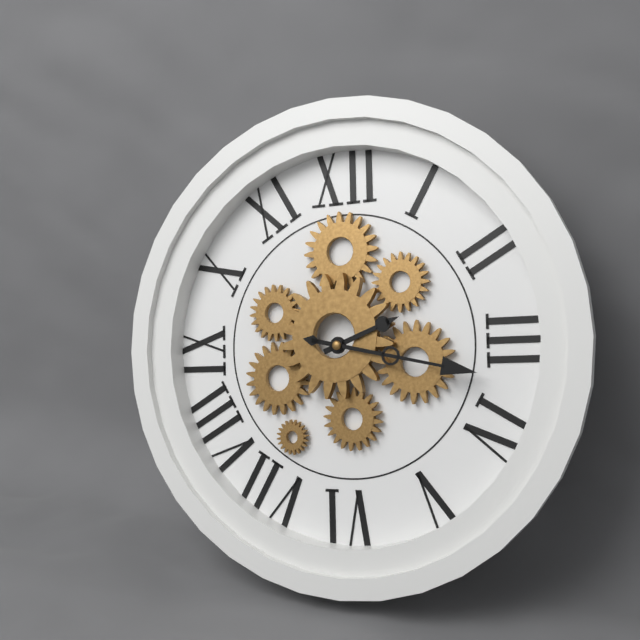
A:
2h17
